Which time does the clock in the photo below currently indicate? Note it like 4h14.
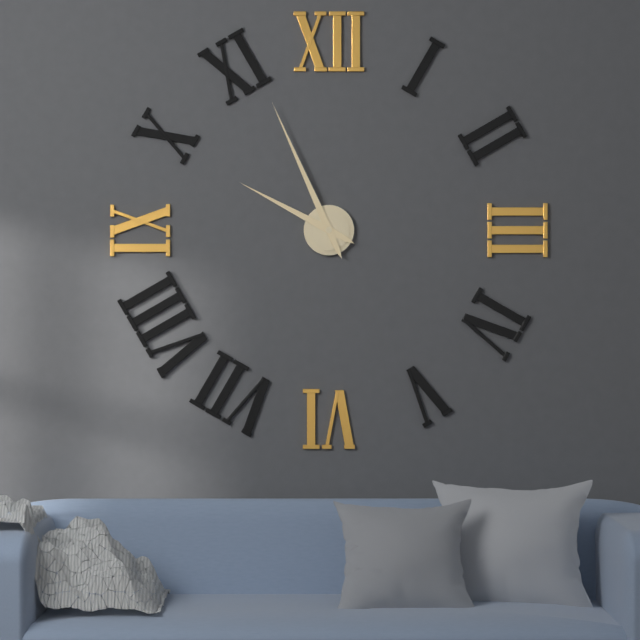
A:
9h56
